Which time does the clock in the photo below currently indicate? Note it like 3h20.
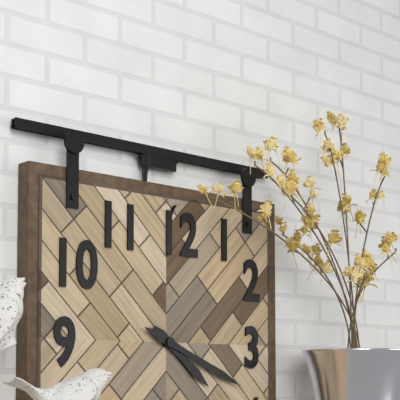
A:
4h19
